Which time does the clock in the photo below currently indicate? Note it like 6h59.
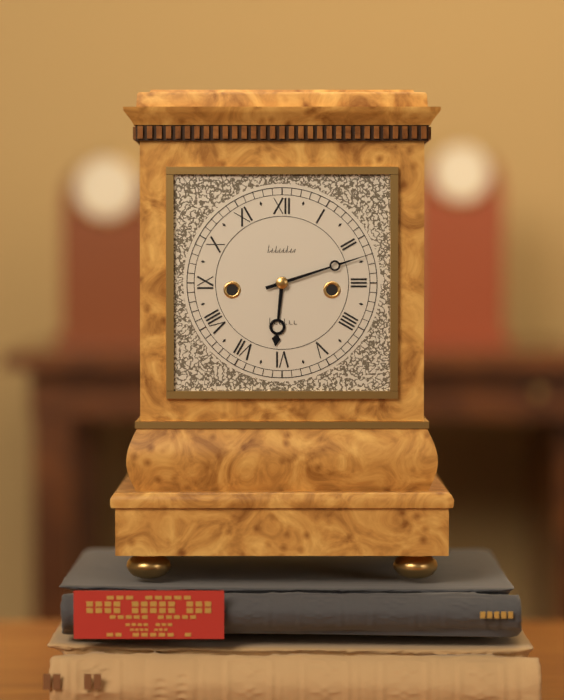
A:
6h12
